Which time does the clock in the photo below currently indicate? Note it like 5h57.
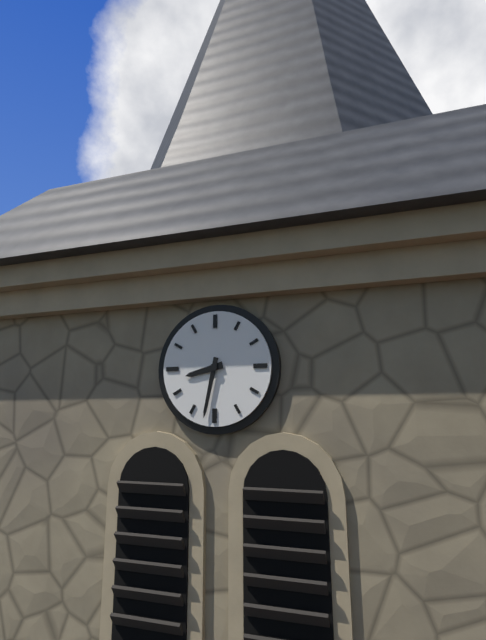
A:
8h32
